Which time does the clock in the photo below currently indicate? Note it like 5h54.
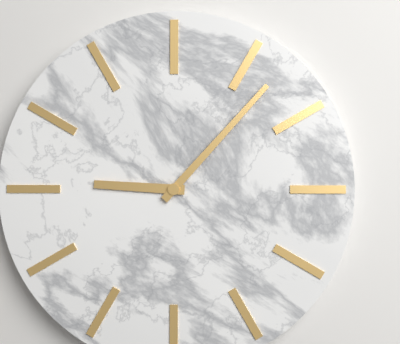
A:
9h07
